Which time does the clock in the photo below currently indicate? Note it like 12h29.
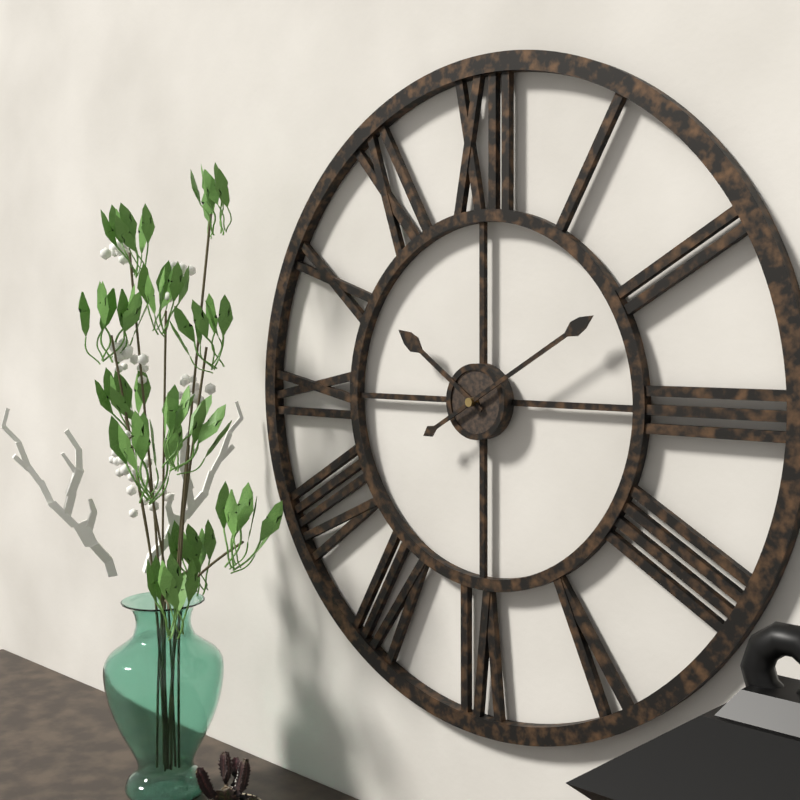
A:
10h10
